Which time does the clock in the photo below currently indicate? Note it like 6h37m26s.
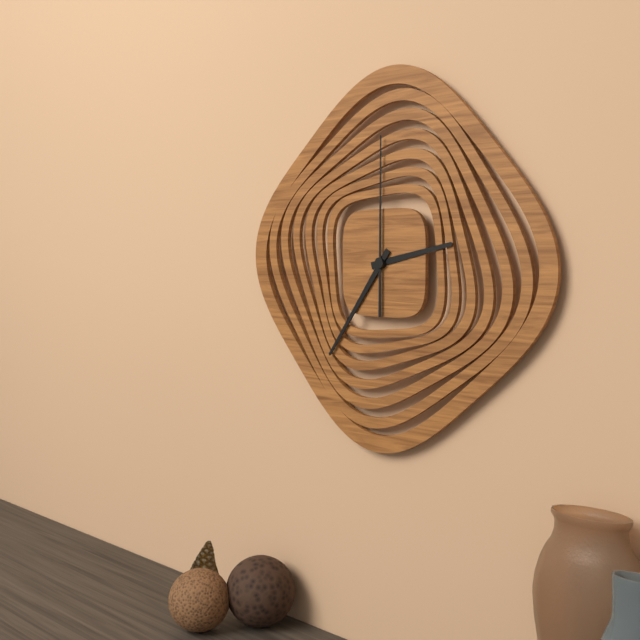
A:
2h36m00s
